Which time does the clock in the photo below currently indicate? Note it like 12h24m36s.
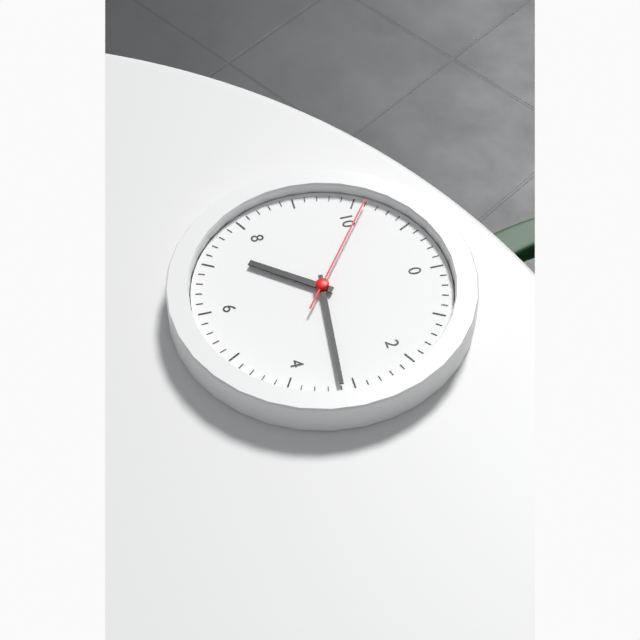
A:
7h16m51s
